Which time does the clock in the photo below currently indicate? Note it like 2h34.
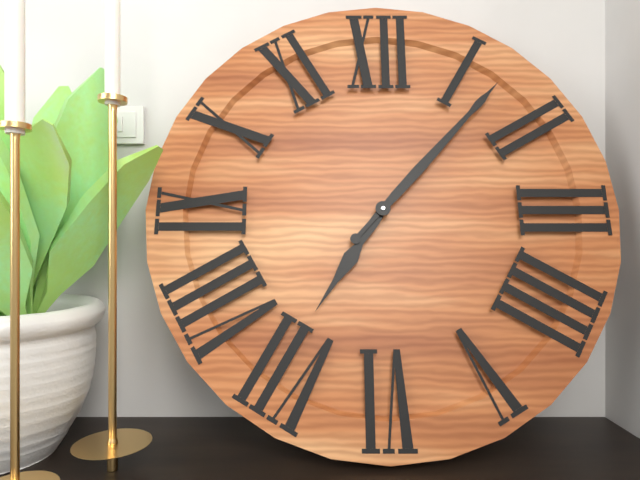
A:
7h07
